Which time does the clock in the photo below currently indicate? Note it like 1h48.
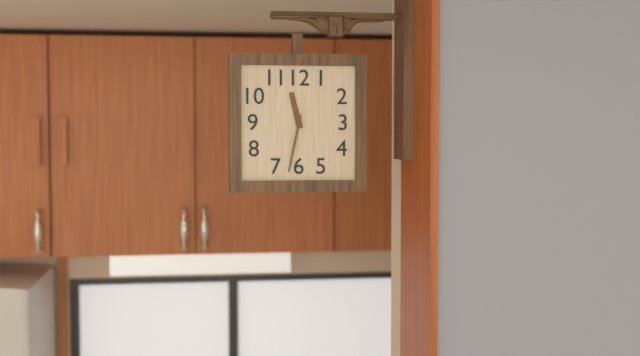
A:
11h32
